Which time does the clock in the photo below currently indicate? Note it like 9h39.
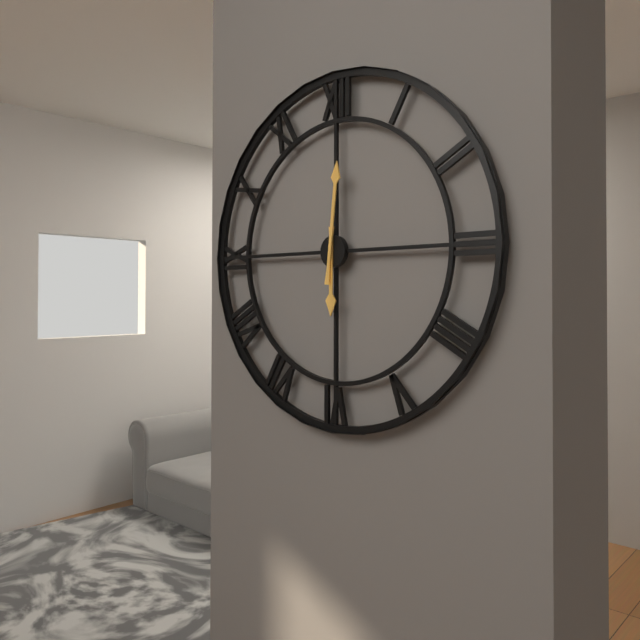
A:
6h01
